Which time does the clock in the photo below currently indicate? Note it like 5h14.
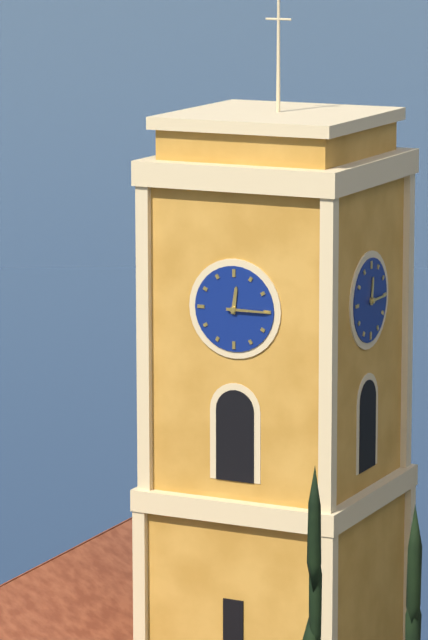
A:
12h15
